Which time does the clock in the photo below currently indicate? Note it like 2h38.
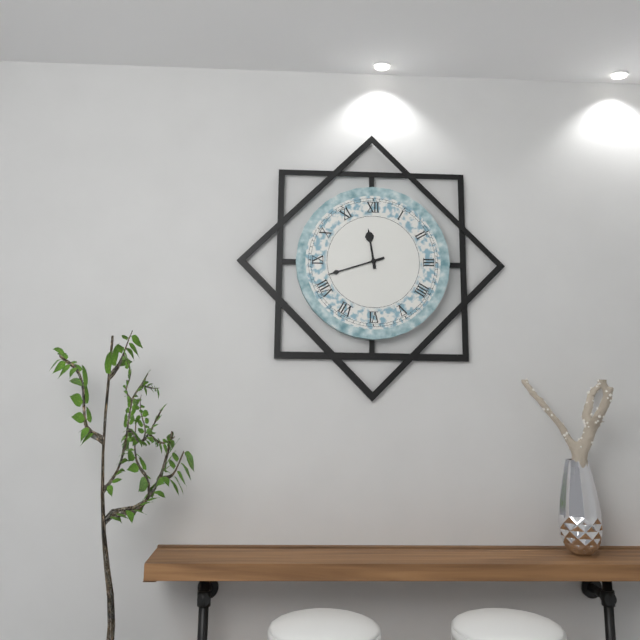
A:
11h42
